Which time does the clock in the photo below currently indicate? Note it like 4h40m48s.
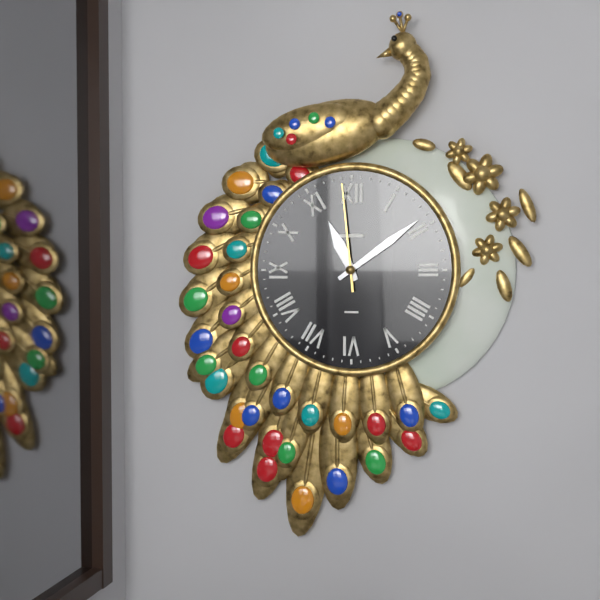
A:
11h09m59s
